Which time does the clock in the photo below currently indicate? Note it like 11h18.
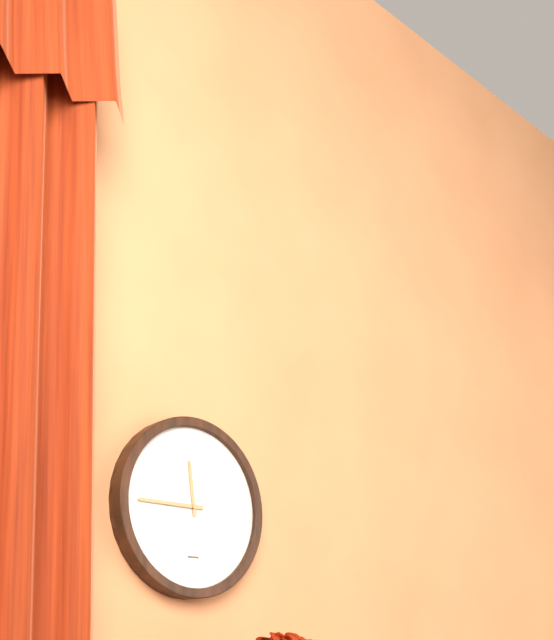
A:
11h45
